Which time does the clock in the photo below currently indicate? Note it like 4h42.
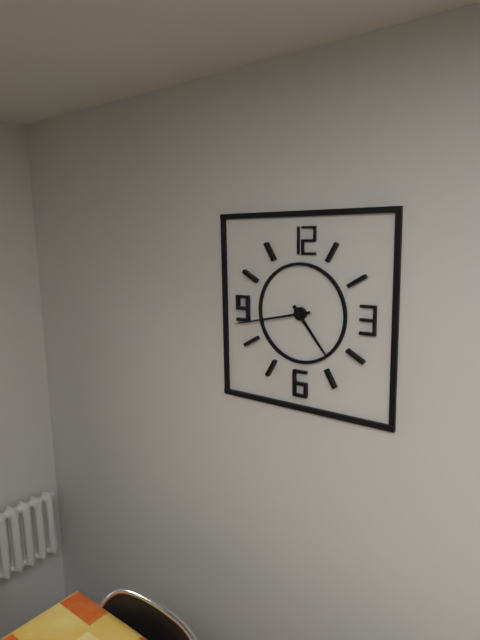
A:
4h43
